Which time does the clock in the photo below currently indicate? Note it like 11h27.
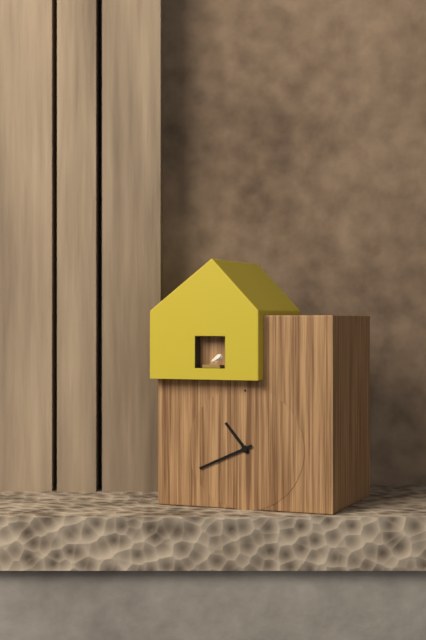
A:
10h41
